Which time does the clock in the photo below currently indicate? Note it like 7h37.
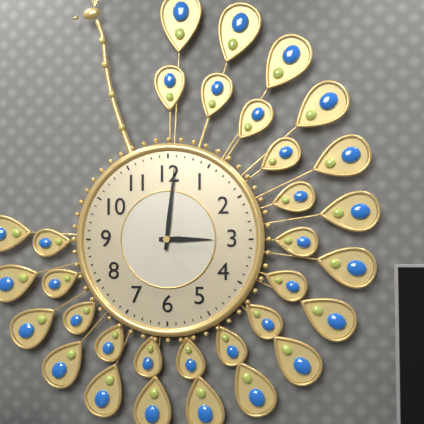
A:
3h01
